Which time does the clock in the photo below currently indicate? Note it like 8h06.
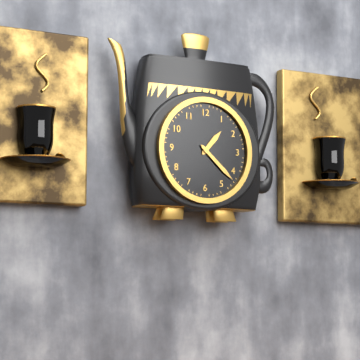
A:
1h22
